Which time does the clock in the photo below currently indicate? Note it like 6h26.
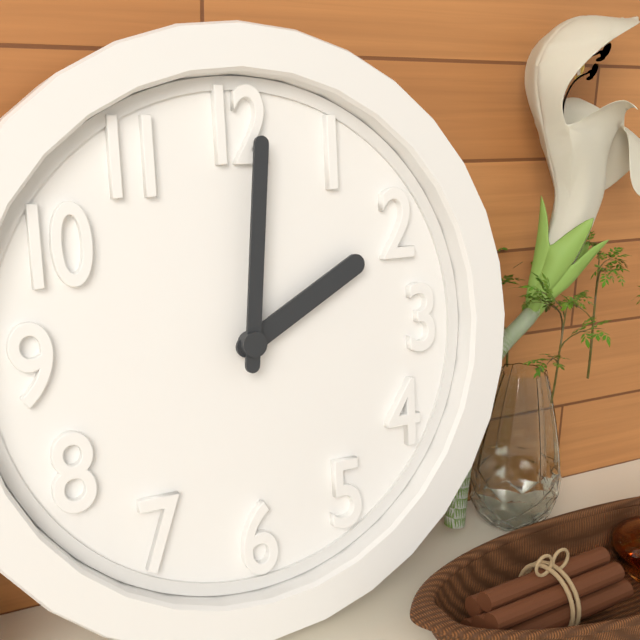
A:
2h01
